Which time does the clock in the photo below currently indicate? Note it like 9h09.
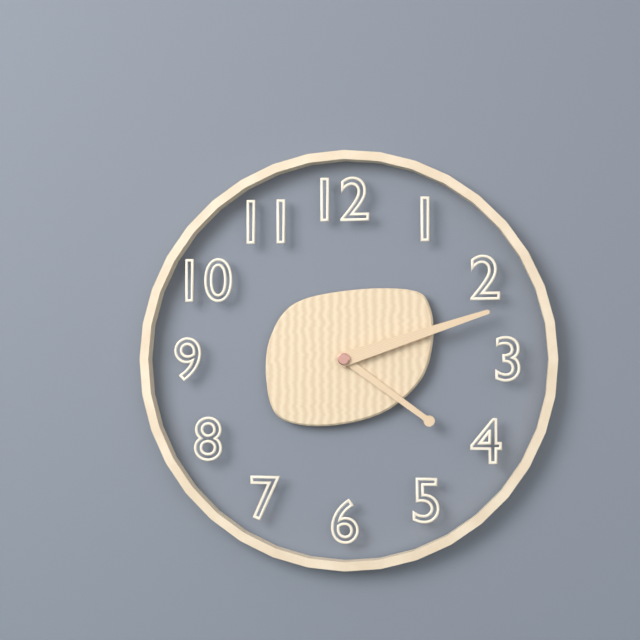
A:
4h12
